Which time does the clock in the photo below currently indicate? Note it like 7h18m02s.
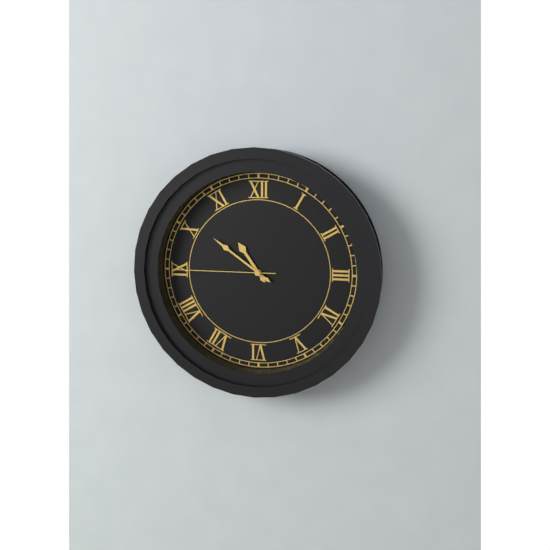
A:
10h51m45s
